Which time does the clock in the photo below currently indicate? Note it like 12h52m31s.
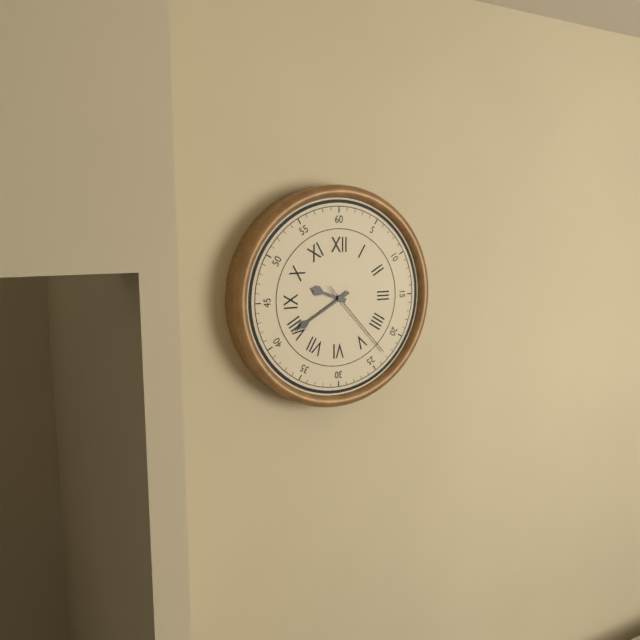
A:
9h40m23s
